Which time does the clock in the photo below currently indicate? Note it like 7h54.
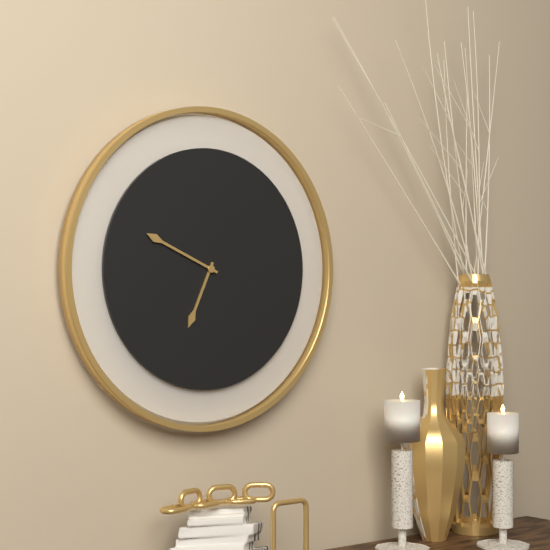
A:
6h49
